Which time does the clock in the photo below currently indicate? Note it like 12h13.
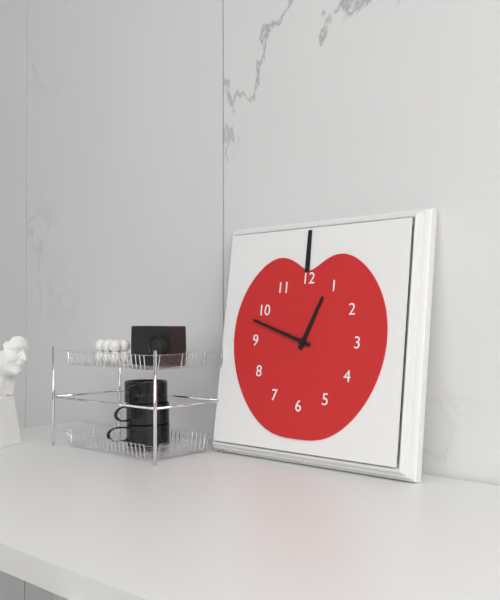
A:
12h48
